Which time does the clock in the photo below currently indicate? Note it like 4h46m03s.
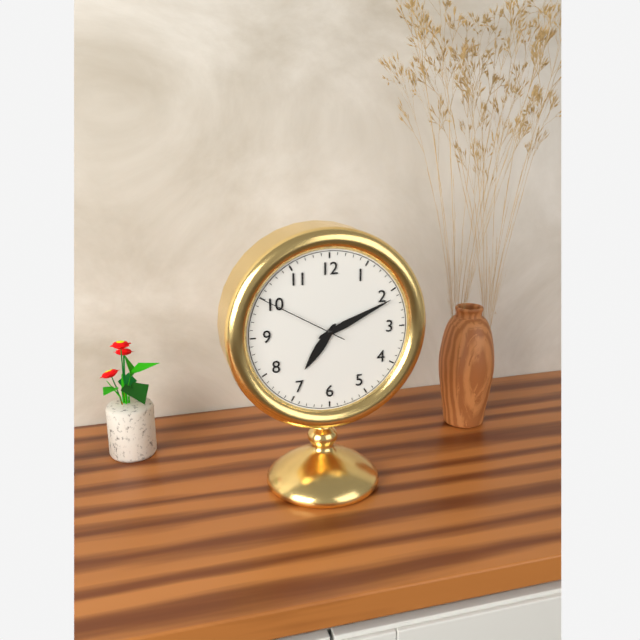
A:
7h11m50s
